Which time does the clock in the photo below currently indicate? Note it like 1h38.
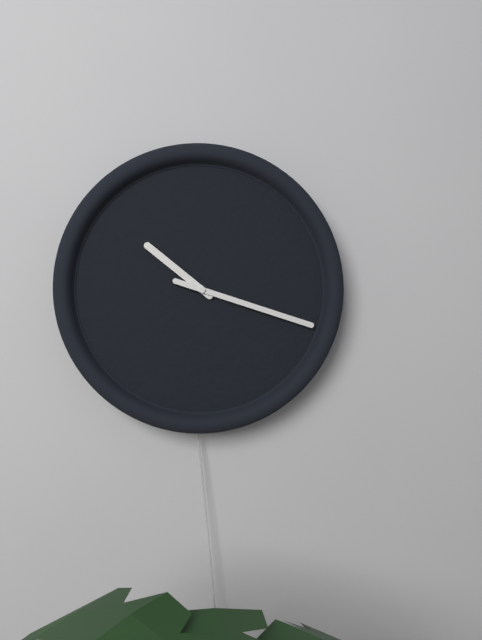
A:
10h18
